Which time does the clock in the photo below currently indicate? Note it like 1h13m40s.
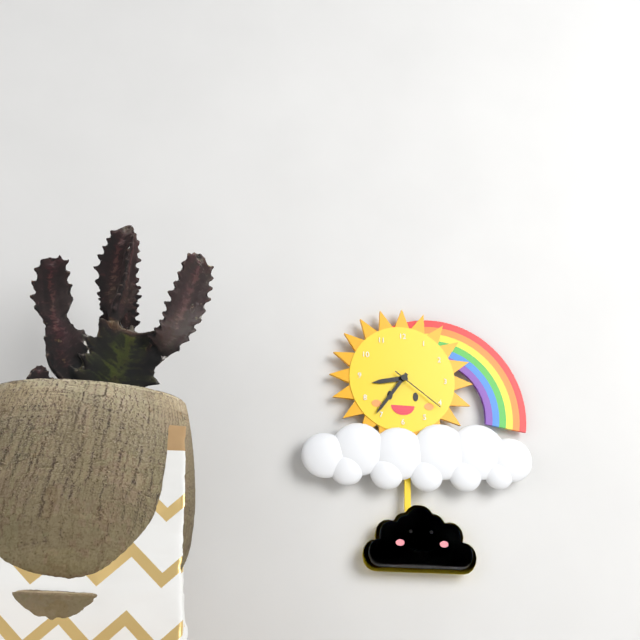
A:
8h36m21s
